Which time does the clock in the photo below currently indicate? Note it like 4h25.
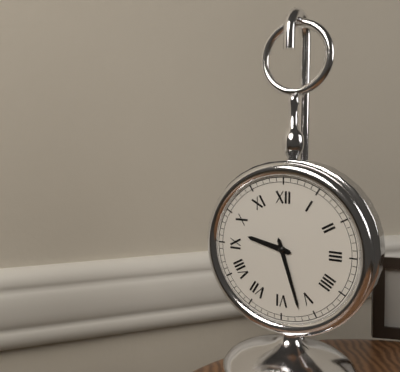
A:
9h27
